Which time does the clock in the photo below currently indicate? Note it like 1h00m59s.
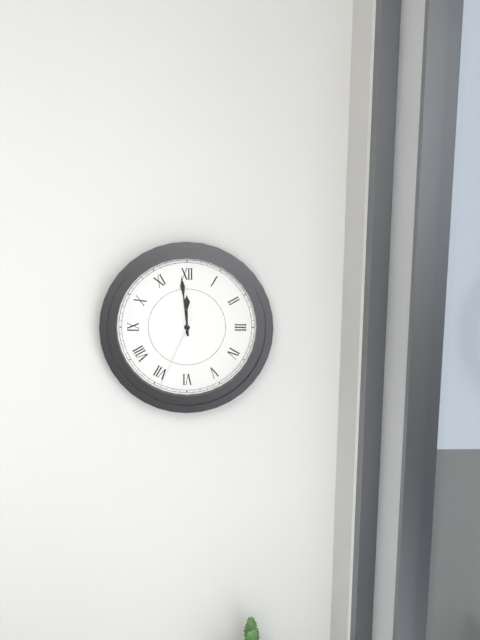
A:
11h59m34s
